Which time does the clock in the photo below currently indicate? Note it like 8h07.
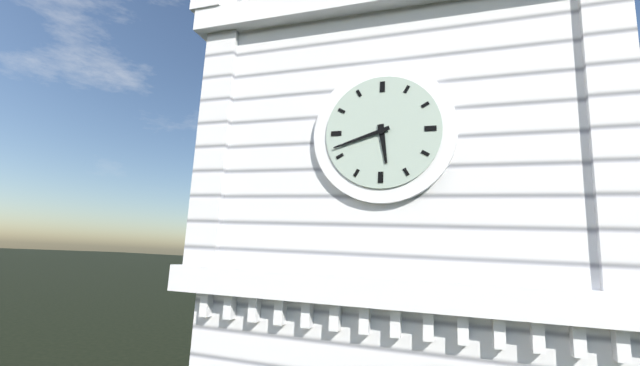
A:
5h42
